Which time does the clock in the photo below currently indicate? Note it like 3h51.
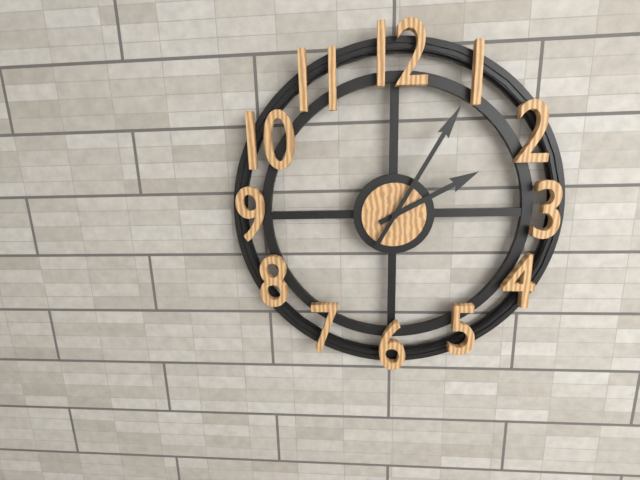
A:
2h05
